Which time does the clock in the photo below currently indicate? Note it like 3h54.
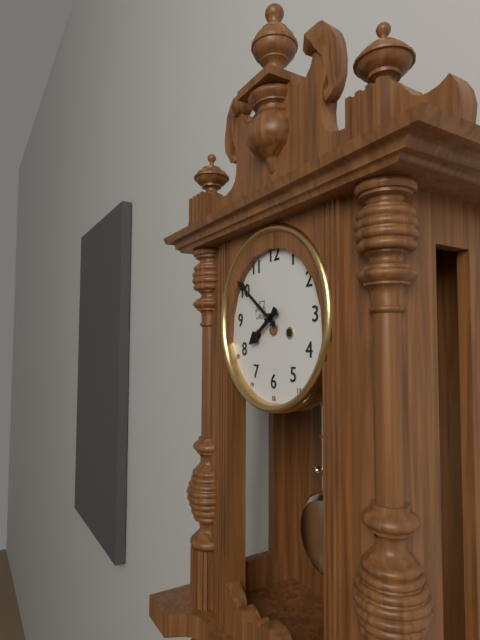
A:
7h51
